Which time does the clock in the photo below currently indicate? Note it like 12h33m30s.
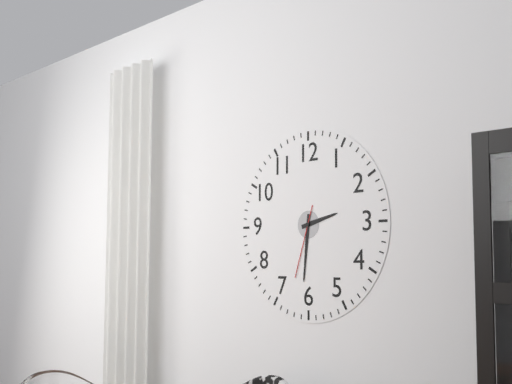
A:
2h31m33s
